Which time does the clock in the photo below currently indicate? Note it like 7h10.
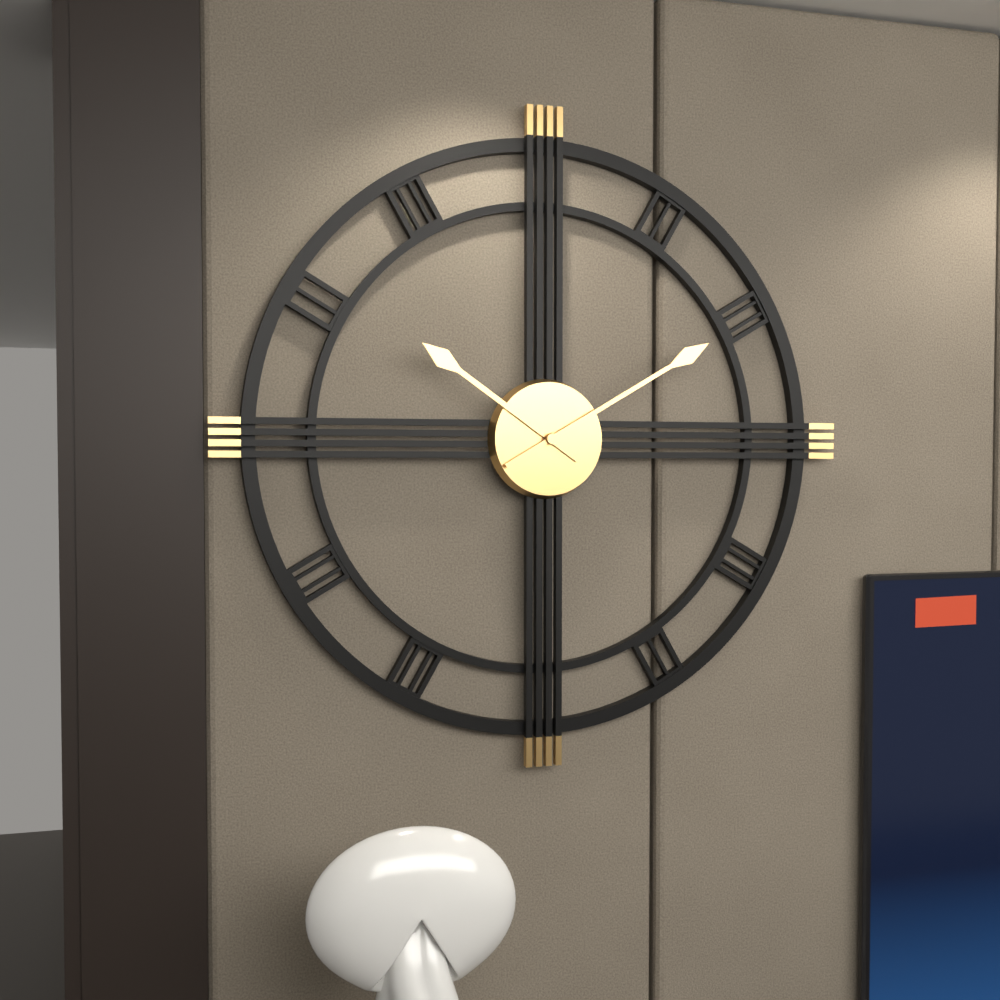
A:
10h10
